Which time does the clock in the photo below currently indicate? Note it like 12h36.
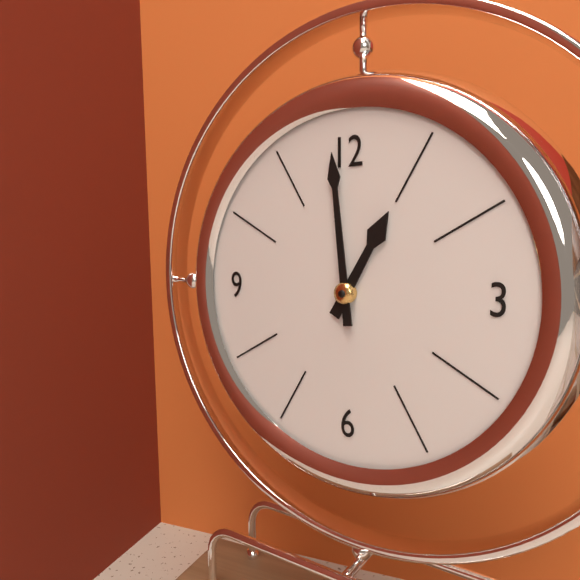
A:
12h59
